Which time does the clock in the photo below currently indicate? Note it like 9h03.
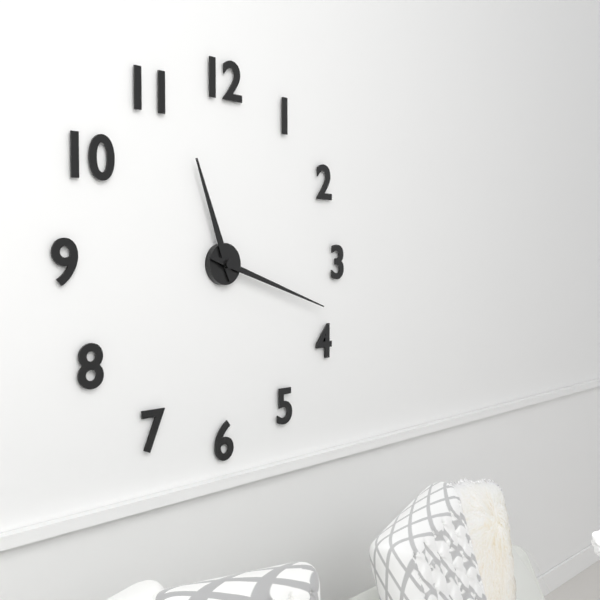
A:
11h18
